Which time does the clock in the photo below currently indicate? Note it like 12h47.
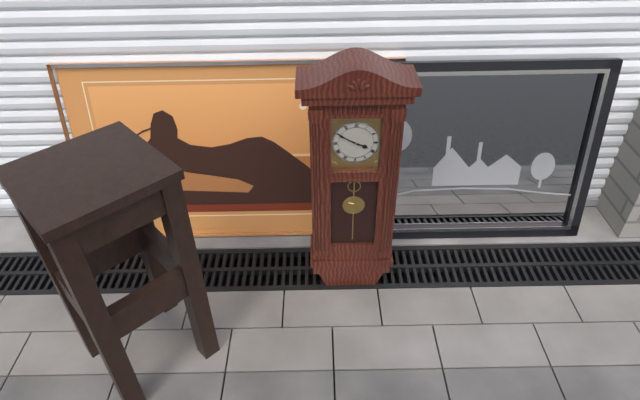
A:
3h50
